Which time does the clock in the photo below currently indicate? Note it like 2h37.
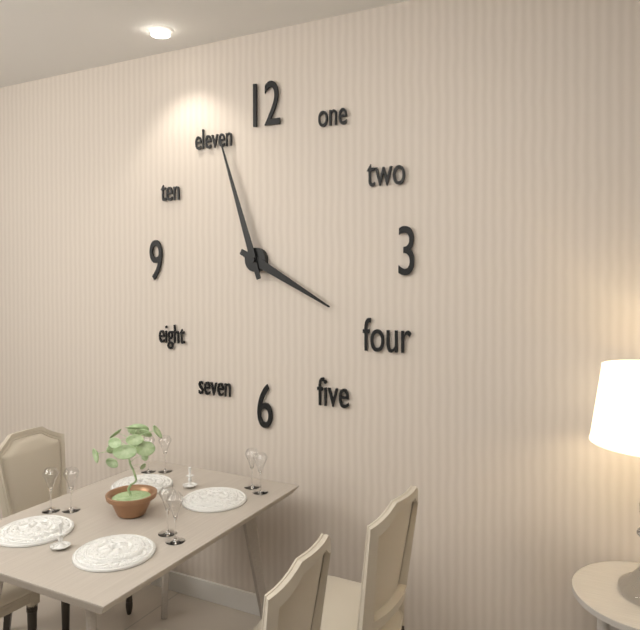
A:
3h57
